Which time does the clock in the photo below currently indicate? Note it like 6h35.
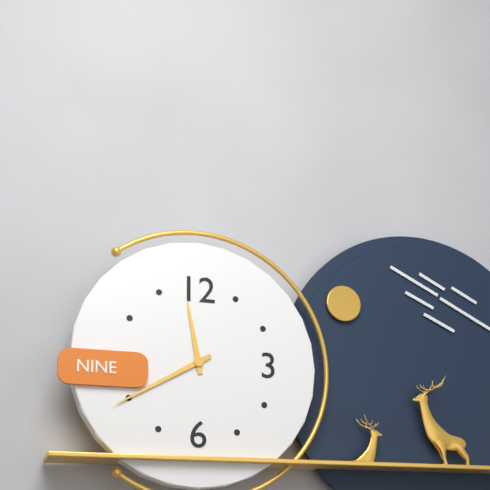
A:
11h40
